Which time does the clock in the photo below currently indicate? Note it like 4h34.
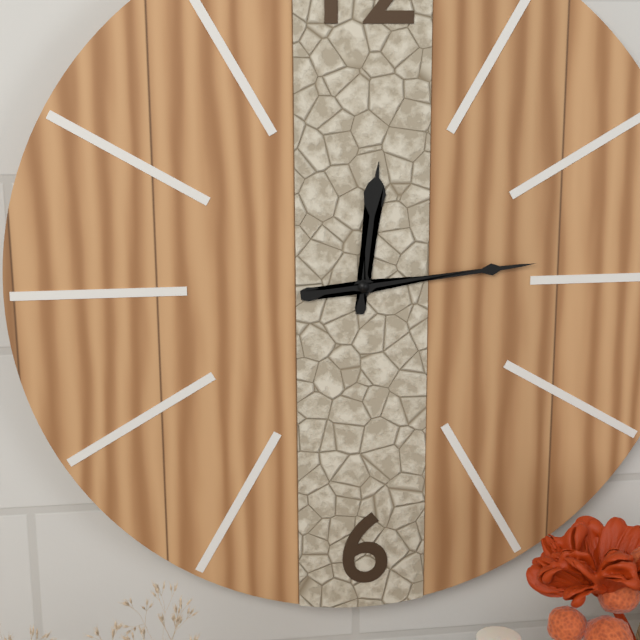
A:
12h14
